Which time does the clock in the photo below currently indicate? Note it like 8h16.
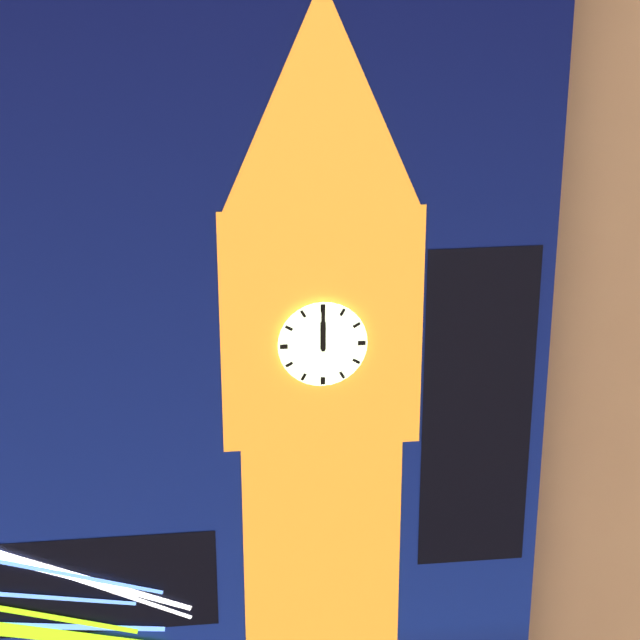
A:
12h00
